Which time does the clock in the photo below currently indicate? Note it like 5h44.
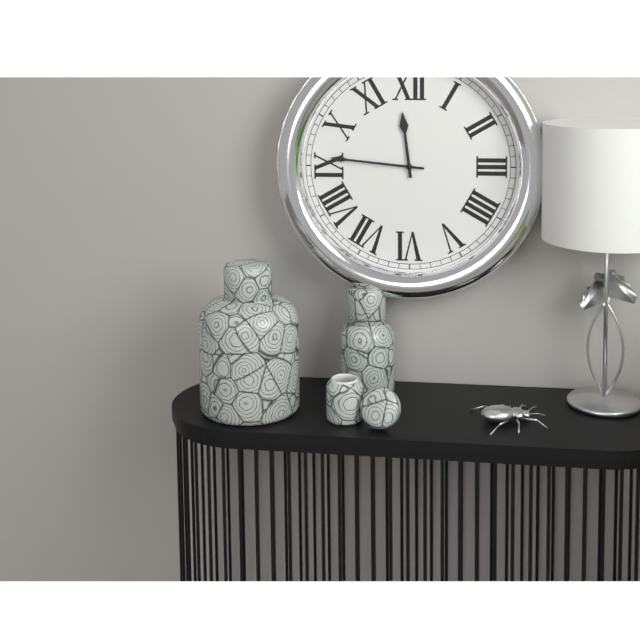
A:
11h46
